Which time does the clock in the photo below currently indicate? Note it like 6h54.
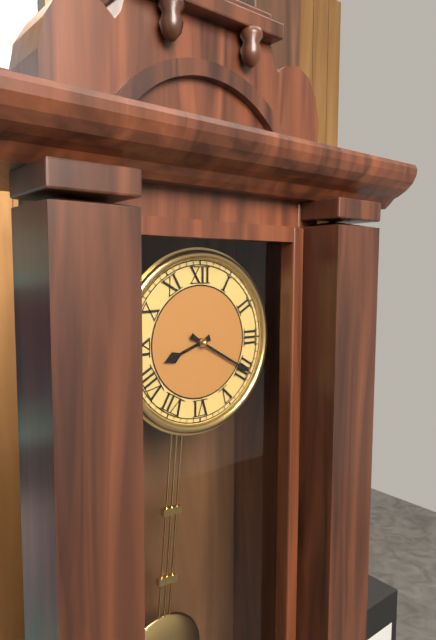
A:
8h20
